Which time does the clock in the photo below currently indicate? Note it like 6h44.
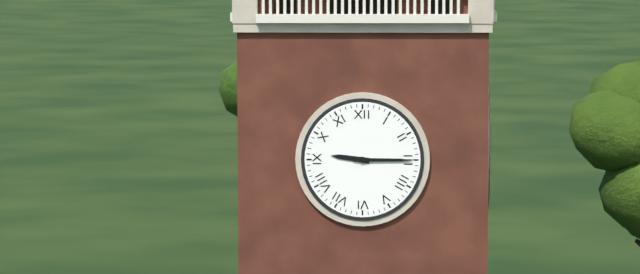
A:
9h15
